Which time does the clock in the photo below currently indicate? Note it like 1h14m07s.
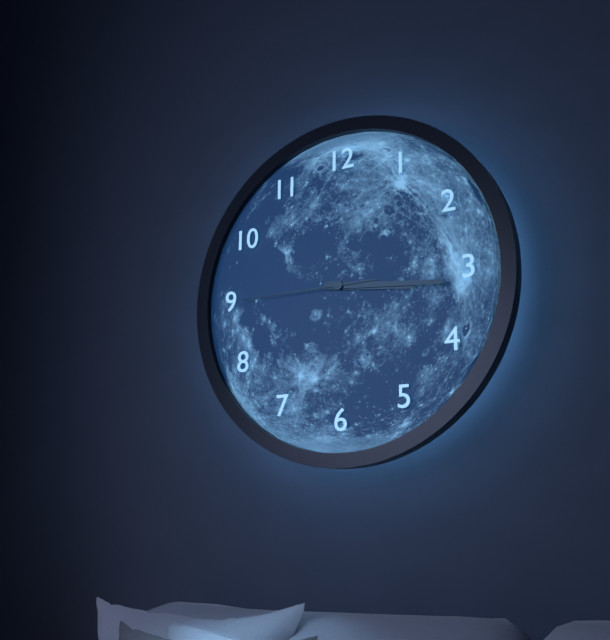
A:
3h16m45s
